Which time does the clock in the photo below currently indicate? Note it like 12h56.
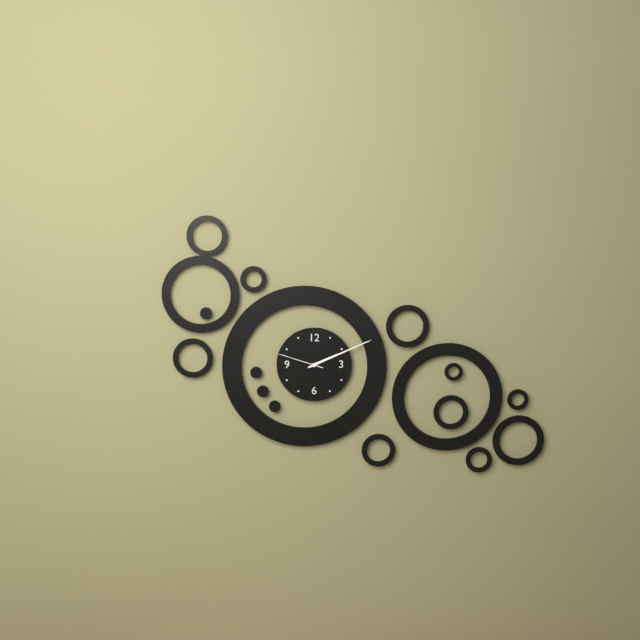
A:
2h11
